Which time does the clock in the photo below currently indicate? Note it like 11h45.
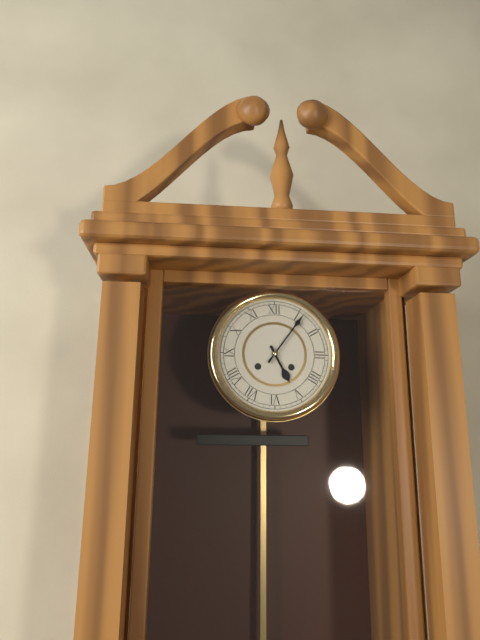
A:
5h06
